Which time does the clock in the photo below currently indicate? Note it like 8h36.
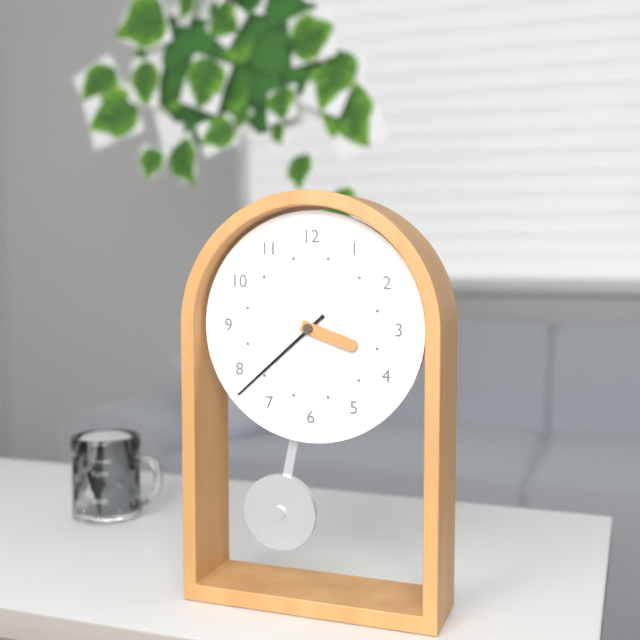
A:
3h38
